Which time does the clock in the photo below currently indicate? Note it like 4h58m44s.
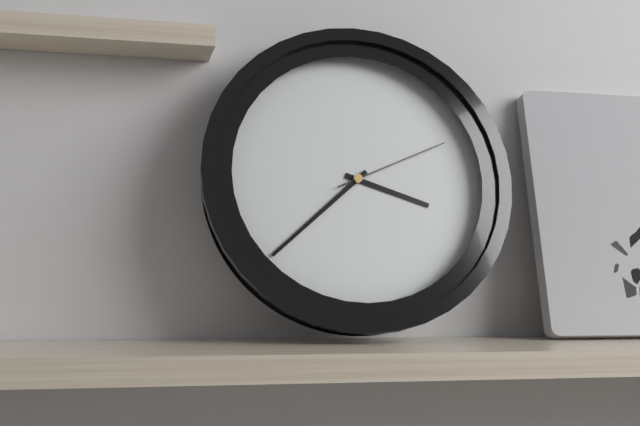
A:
3h38m11s
